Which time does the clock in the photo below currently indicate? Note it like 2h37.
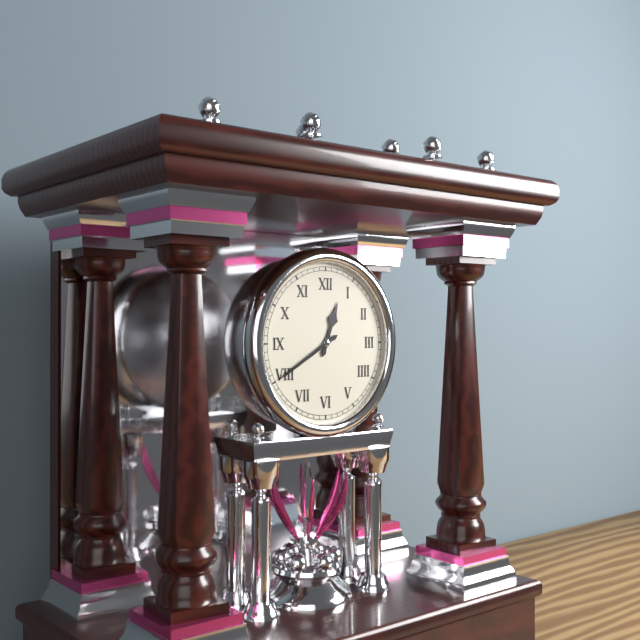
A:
12h40
